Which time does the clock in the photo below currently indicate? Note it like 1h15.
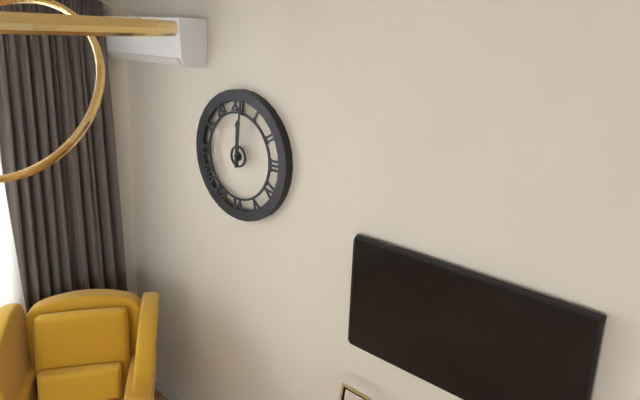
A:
12h01
